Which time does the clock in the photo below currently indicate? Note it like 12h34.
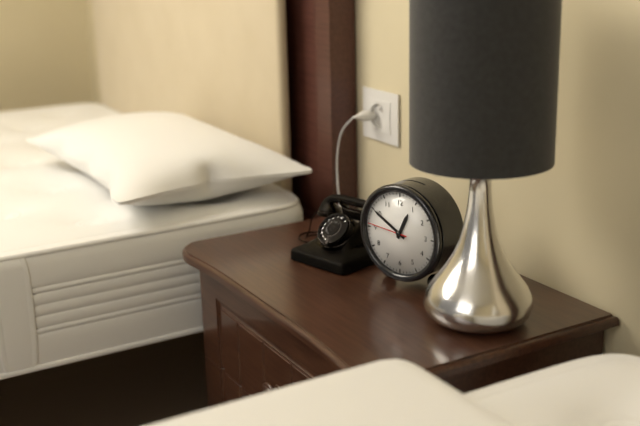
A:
12h50
